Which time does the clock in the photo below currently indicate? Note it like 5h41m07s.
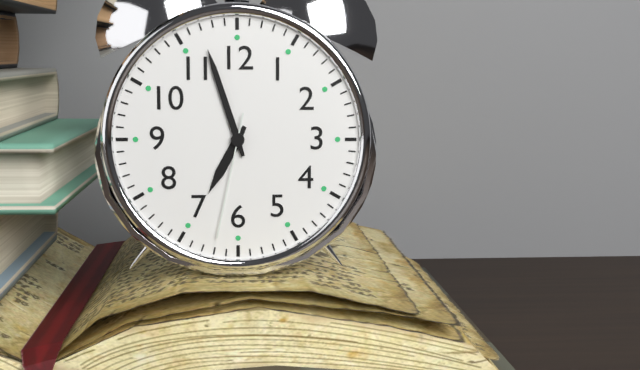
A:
6h57m32s
